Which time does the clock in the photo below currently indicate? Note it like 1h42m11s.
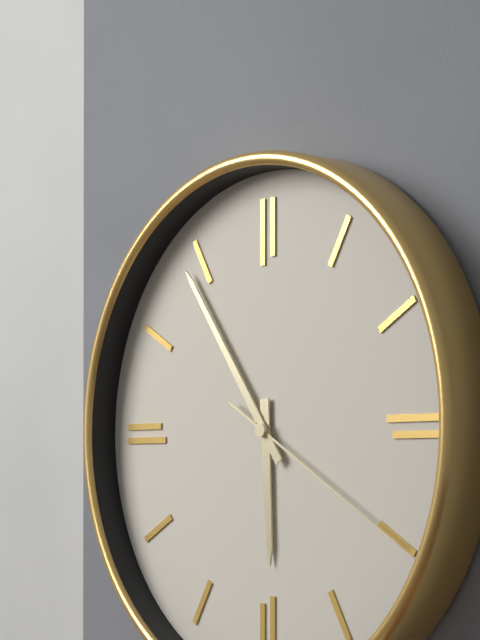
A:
5h54m20s
